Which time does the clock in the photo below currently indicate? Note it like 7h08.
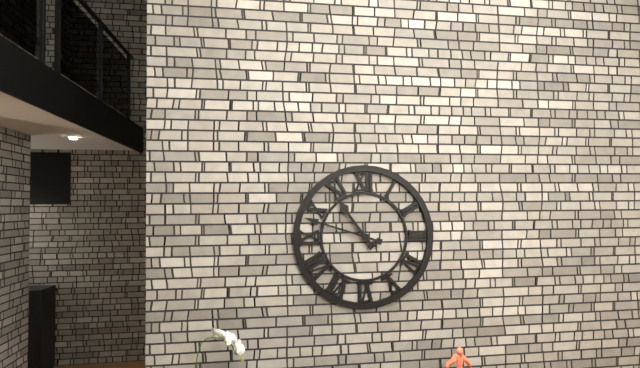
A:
10h48
